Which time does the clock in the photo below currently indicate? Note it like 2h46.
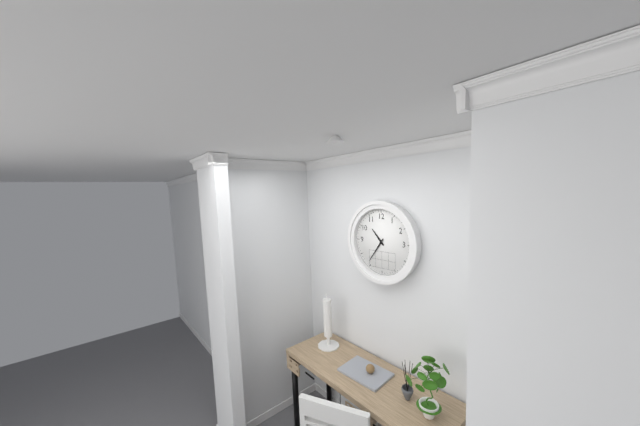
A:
10h36
